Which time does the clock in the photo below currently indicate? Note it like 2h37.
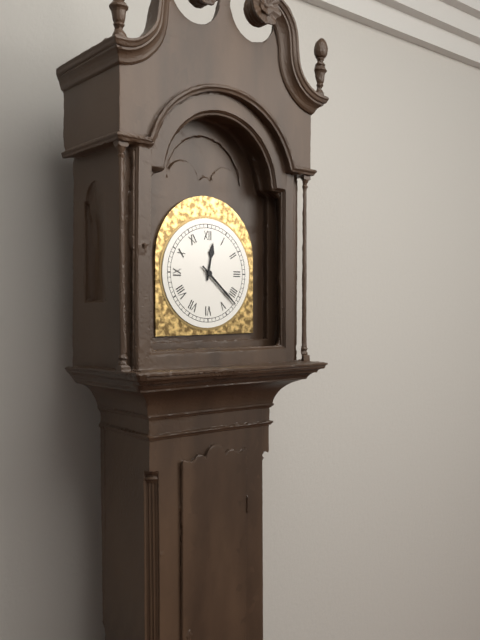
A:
12h22
